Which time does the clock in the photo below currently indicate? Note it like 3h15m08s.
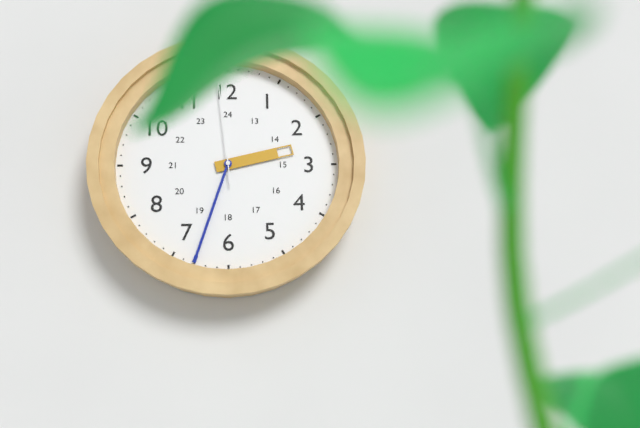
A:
2h33m59s
